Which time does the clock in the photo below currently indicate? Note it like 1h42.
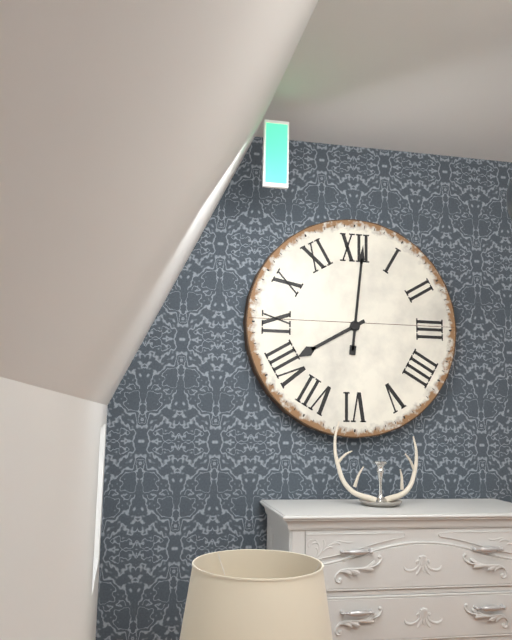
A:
8h01
